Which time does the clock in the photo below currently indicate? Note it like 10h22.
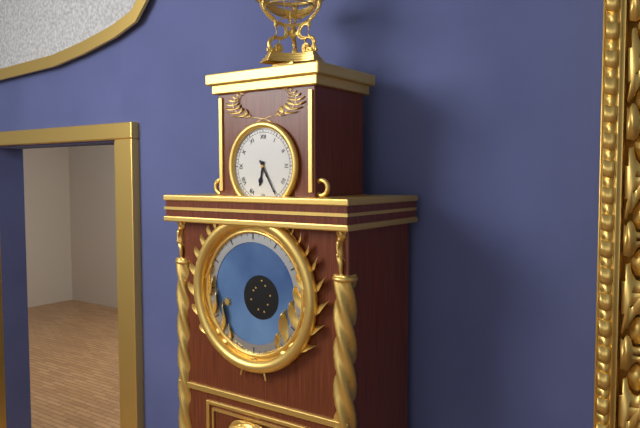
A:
6h25
